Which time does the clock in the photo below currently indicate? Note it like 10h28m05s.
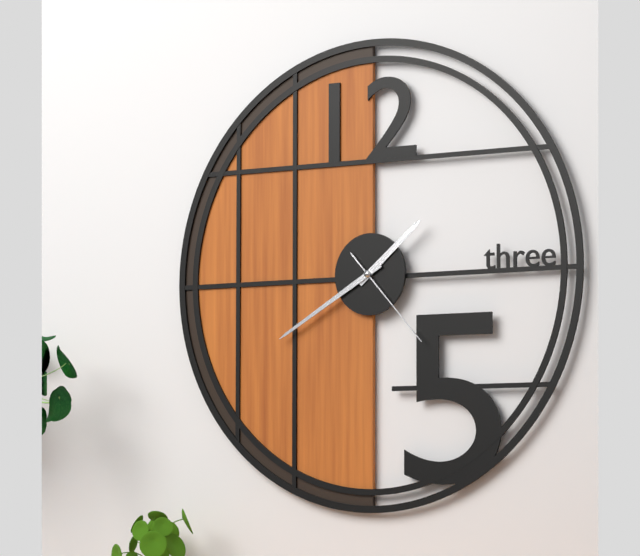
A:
1h40m23s
